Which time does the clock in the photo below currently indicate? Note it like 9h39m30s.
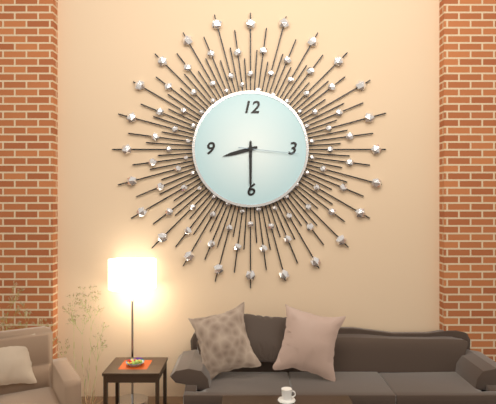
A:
8h30m16s
